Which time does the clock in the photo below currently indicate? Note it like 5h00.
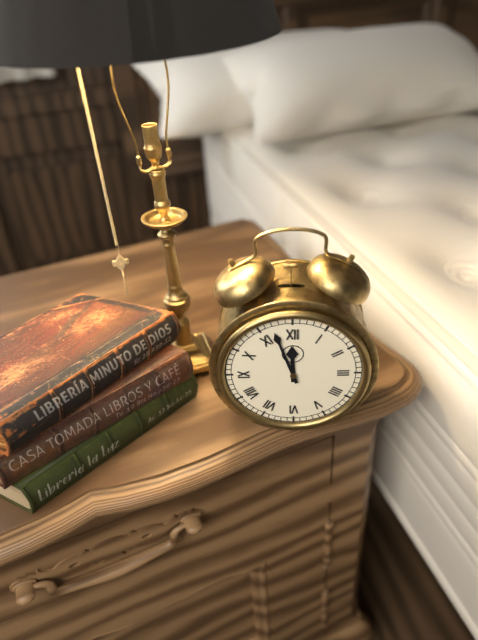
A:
11h57
